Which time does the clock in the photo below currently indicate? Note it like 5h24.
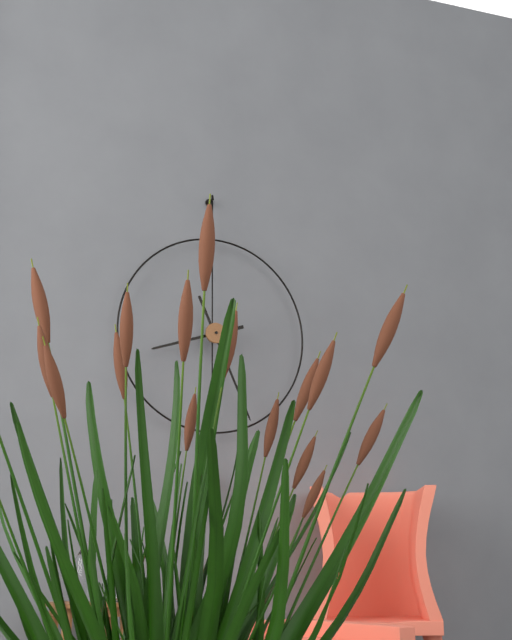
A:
8h26
